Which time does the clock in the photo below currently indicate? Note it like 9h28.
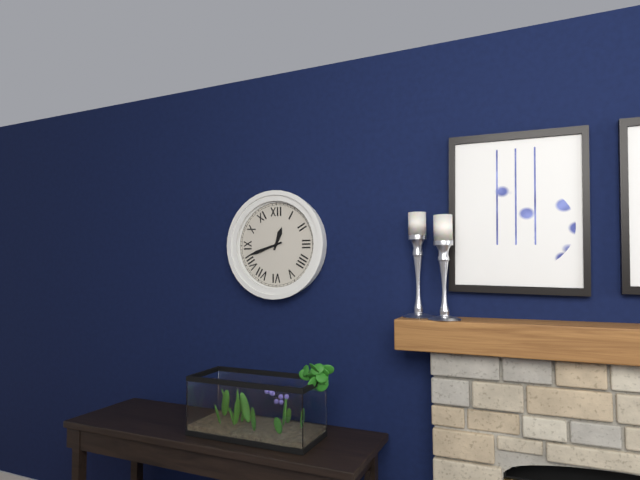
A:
12h42
